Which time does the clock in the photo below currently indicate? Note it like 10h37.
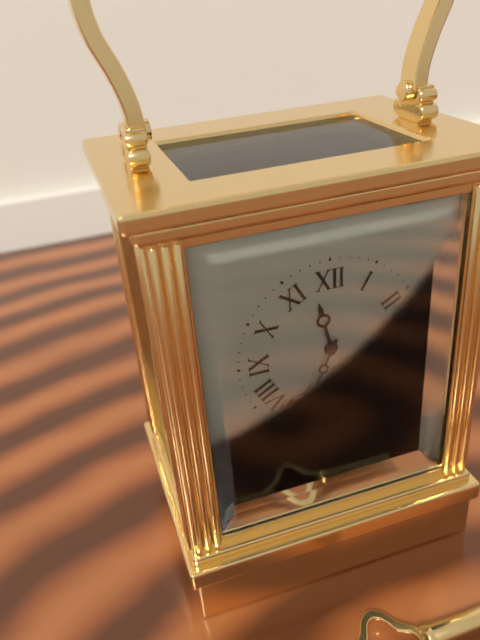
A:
11h34
